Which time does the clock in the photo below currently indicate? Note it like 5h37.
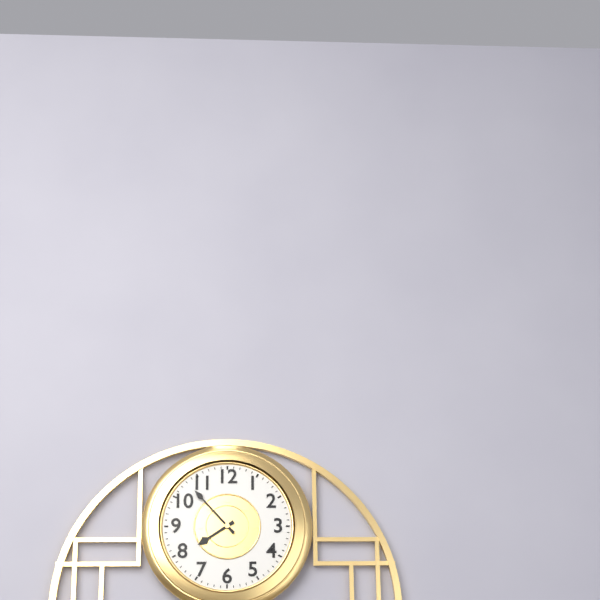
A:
7h53
